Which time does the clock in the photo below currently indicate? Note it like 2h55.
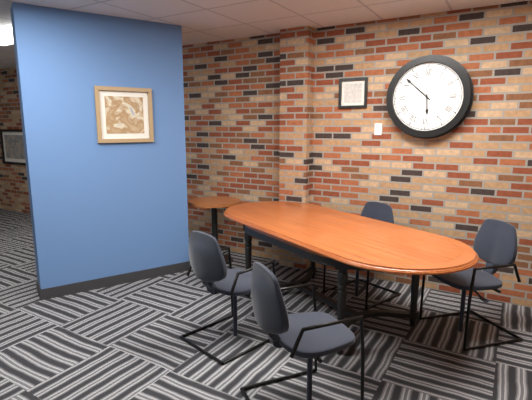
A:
5h52
